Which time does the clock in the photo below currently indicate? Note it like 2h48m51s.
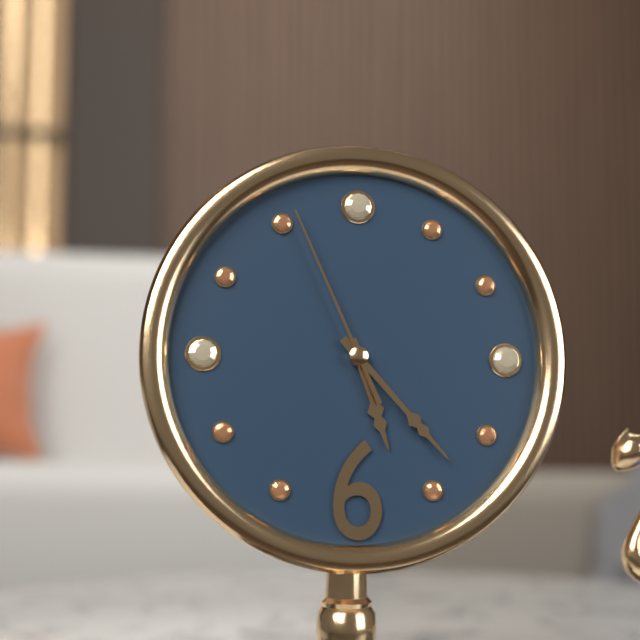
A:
5h23m56s
